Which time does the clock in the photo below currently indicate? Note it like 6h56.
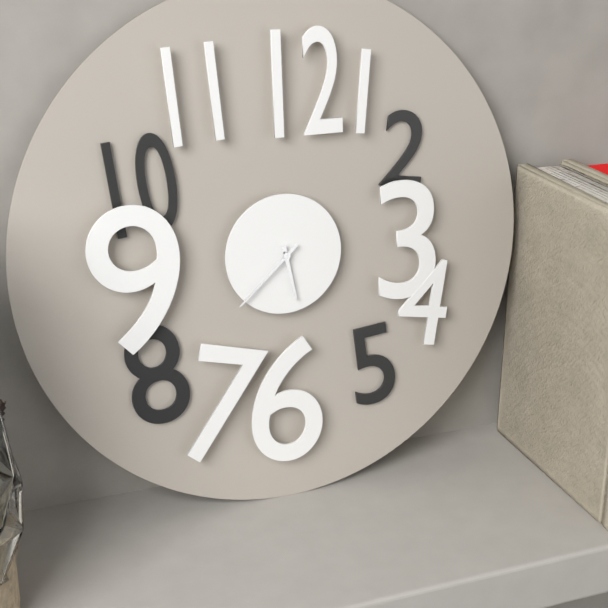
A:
5h38
